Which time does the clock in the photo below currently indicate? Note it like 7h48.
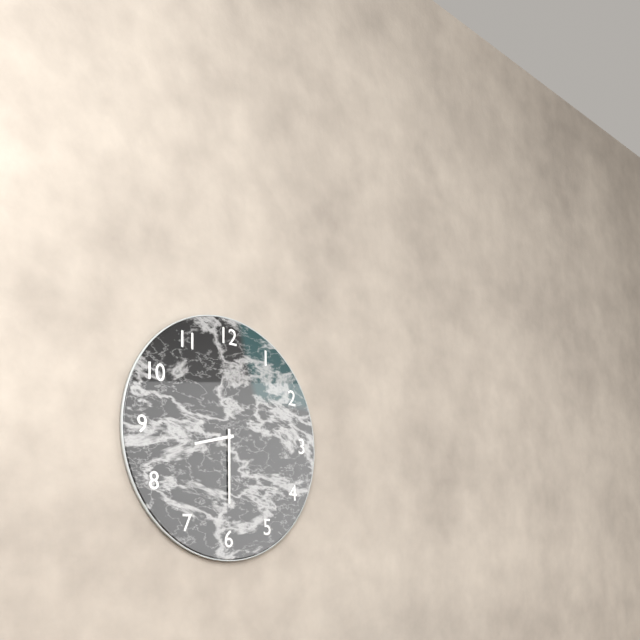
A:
8h30
